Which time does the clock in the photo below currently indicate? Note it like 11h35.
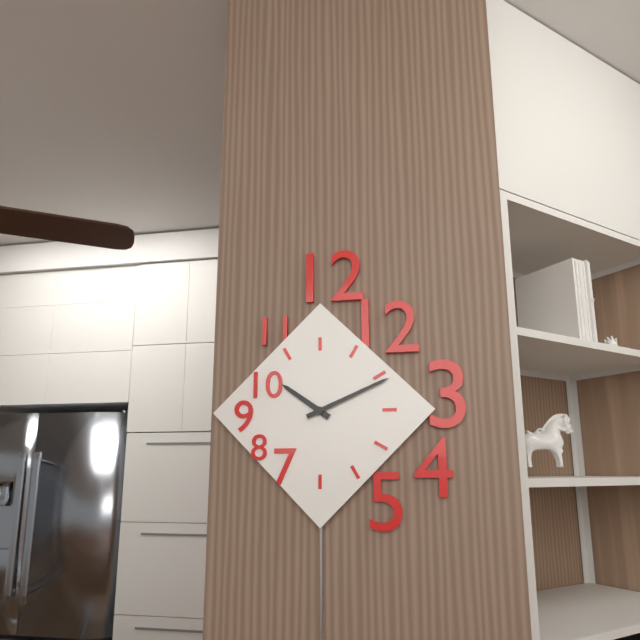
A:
10h11
